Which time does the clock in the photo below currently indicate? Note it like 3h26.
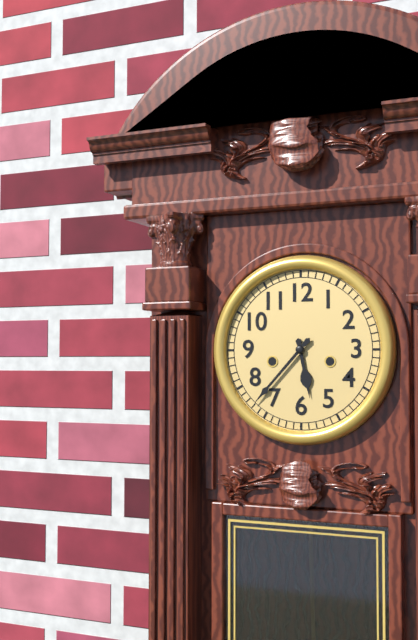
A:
5h37
